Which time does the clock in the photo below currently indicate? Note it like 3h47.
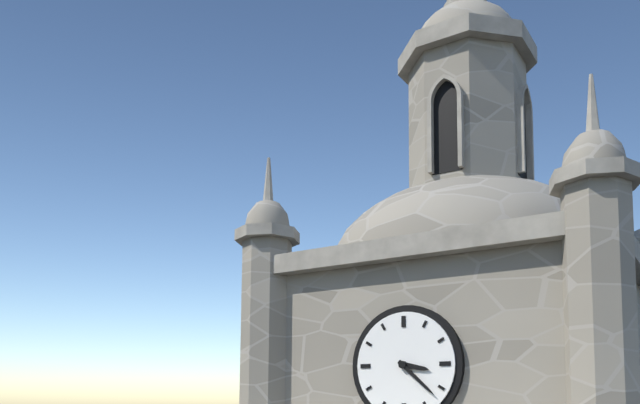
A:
3h22
